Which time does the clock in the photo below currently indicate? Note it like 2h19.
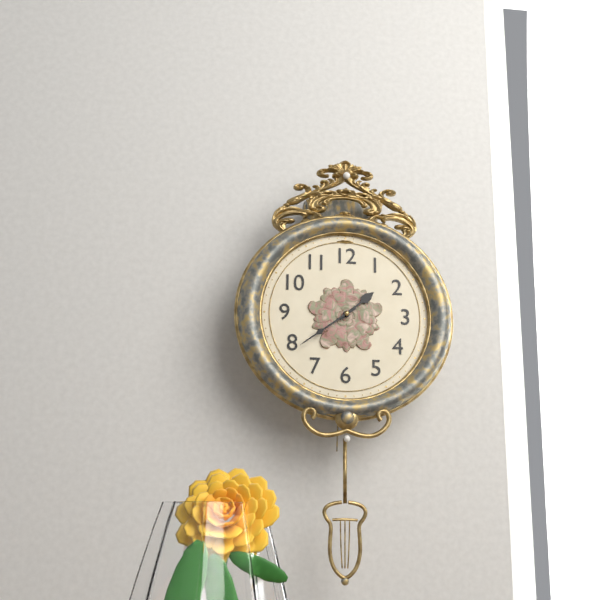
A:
1h39
